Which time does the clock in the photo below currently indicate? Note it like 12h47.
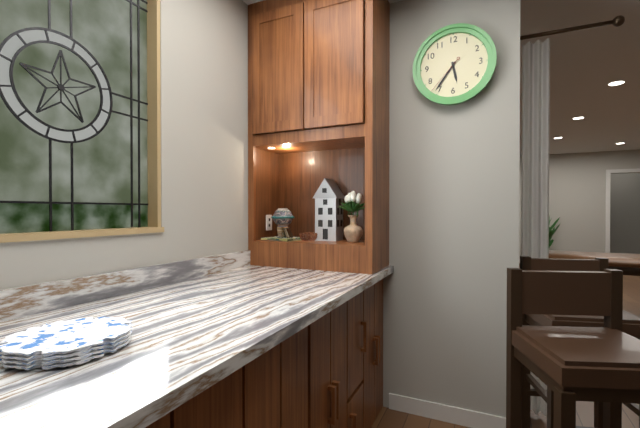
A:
5h36
